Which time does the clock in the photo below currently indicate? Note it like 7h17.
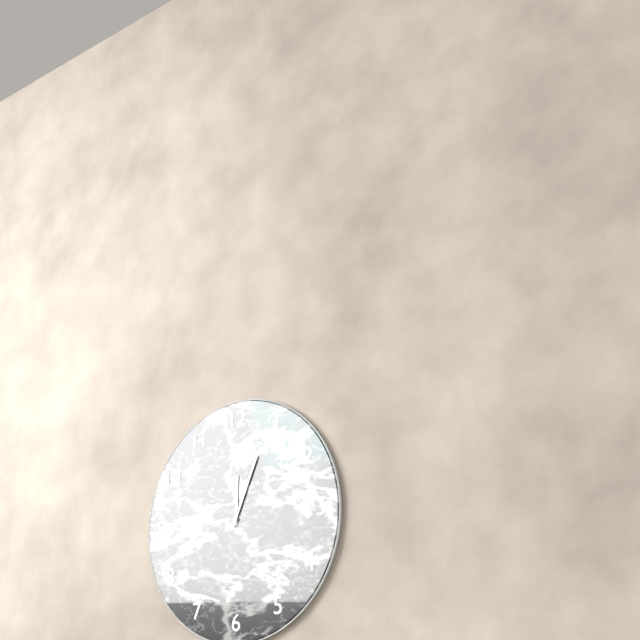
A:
12h04
